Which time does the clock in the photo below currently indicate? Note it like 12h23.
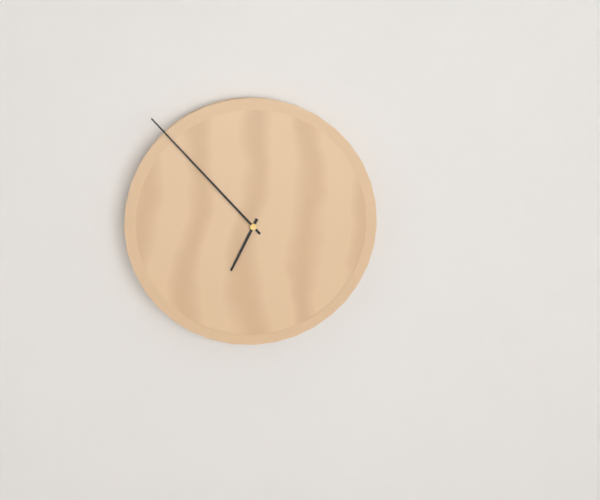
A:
6h53
